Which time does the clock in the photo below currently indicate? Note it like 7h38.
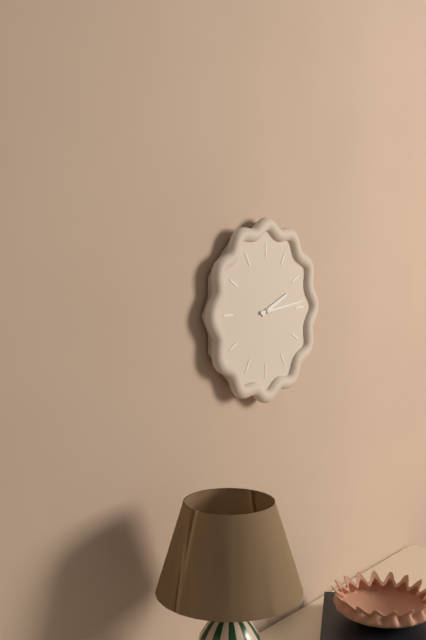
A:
2h14
